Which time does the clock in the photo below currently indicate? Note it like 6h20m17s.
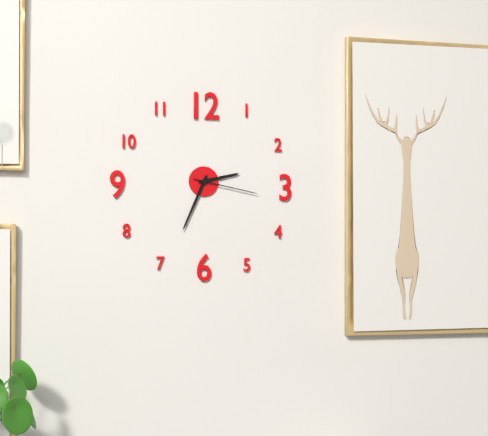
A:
2h34m17s
